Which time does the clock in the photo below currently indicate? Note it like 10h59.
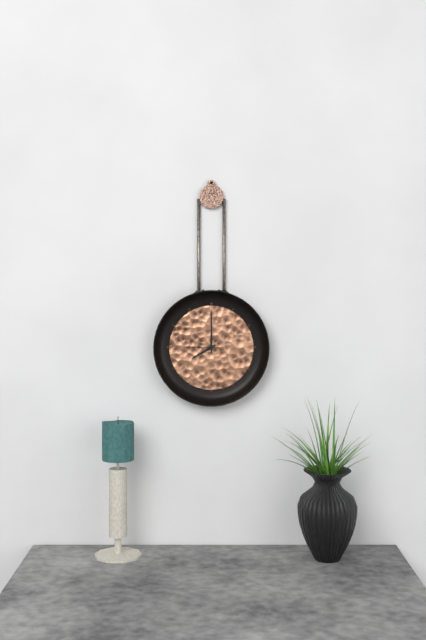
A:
8h00
